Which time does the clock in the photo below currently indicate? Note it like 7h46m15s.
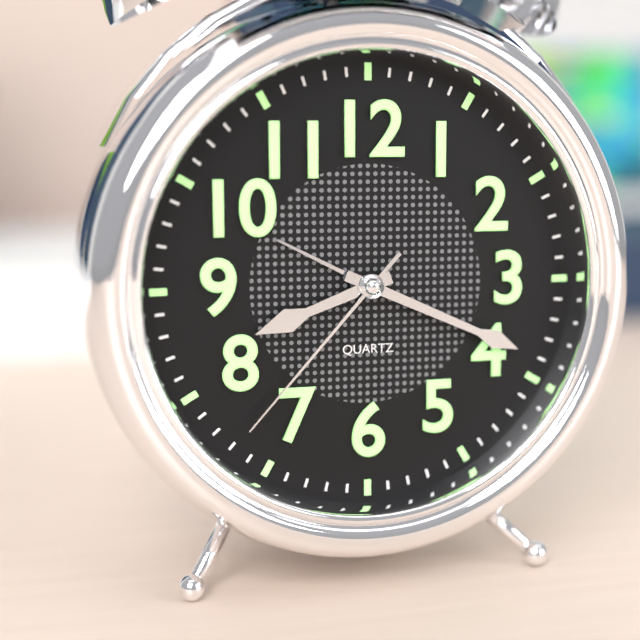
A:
8h19m37s
